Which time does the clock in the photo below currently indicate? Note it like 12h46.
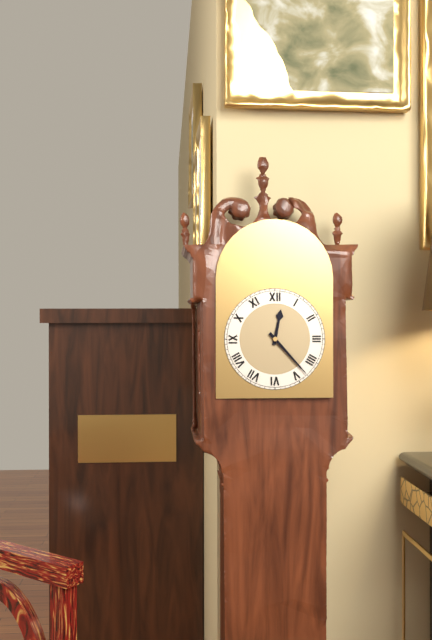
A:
12h23
